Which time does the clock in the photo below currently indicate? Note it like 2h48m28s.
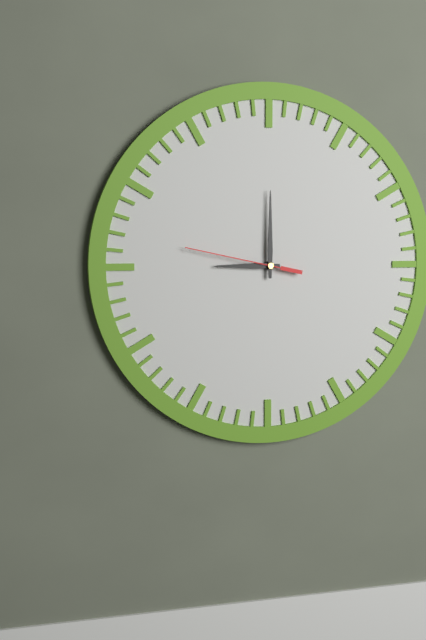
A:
9h00m47s
